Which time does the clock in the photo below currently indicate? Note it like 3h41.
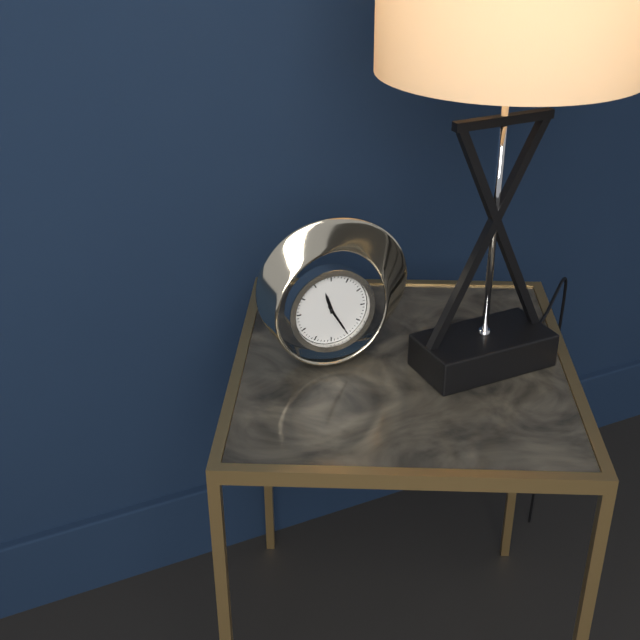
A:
11h25
